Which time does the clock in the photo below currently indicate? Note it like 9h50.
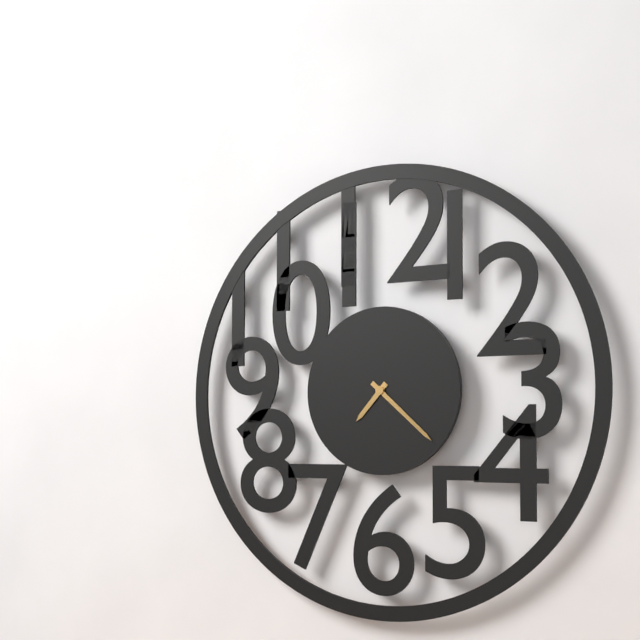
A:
7h22
